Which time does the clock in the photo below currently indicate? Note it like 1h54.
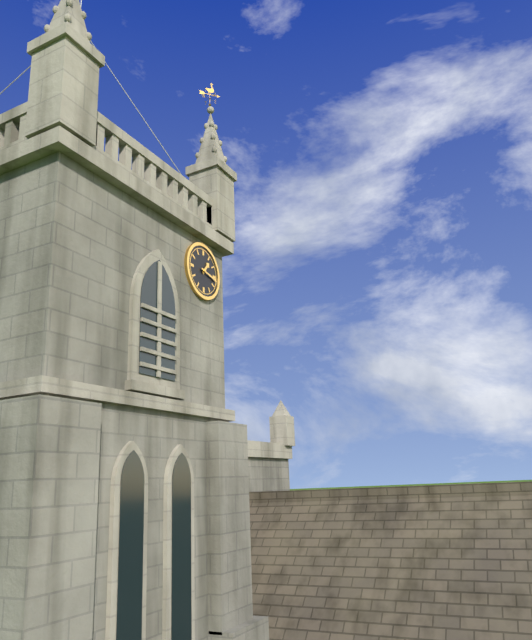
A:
1h17
